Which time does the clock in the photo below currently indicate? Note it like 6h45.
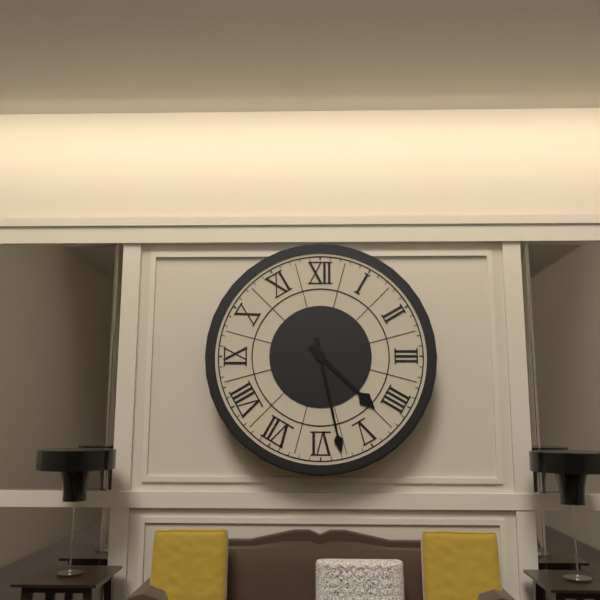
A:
4h28
